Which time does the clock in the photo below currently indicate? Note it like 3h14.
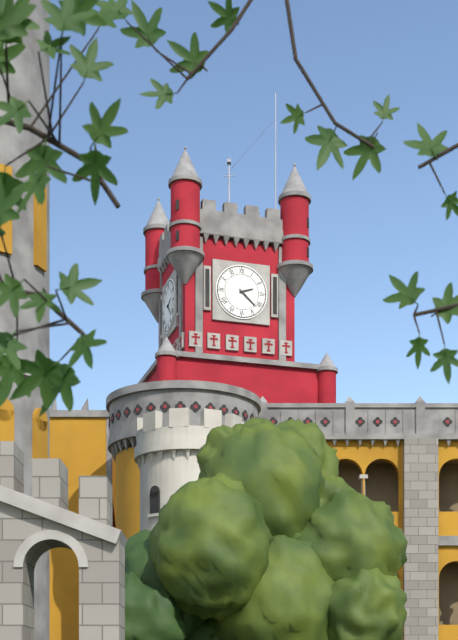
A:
2h22
